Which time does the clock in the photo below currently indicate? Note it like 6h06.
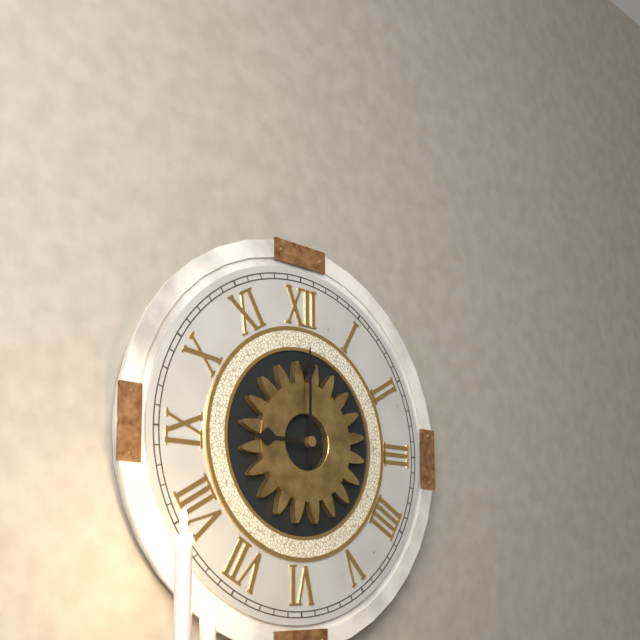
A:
9h00
